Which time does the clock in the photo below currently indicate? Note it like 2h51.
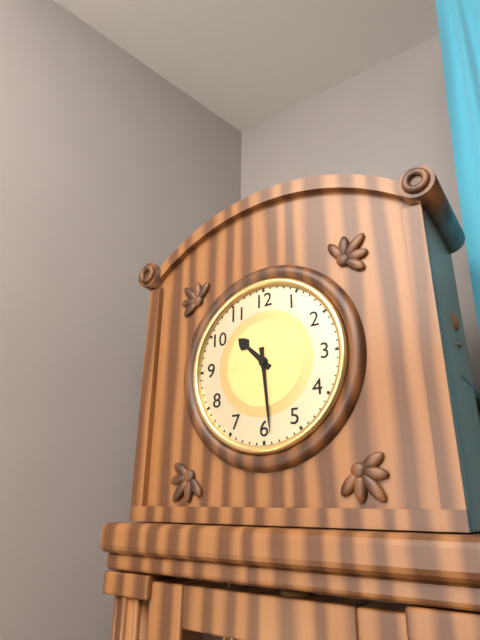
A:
10h29
